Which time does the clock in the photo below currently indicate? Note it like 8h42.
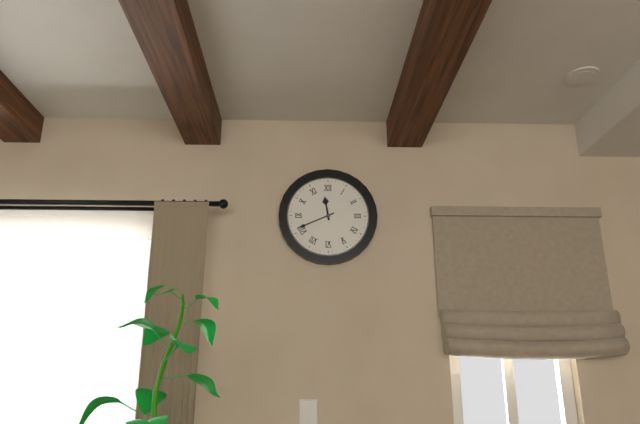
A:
11h41
